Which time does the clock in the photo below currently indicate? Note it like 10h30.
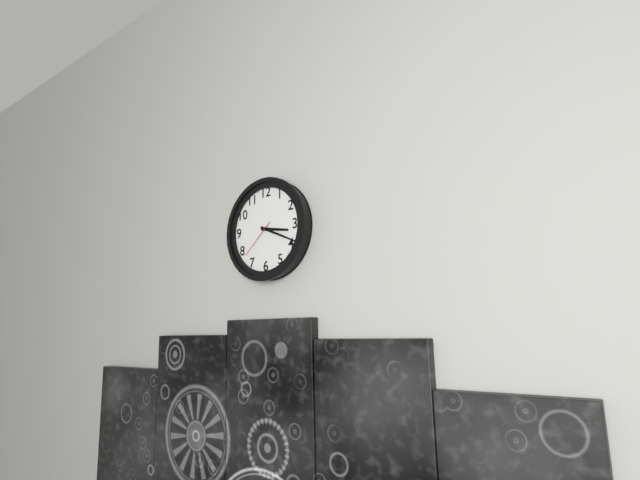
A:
3h19
